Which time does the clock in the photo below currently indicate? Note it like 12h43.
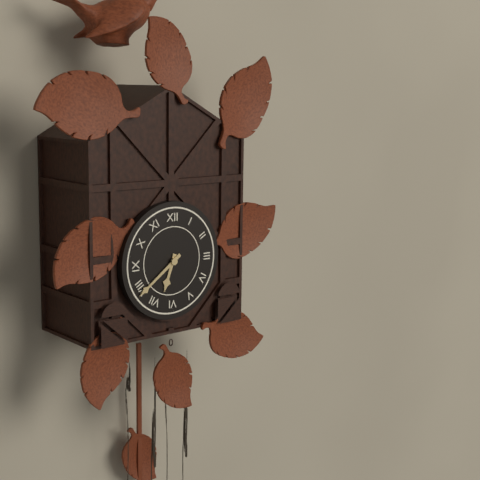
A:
6h39
